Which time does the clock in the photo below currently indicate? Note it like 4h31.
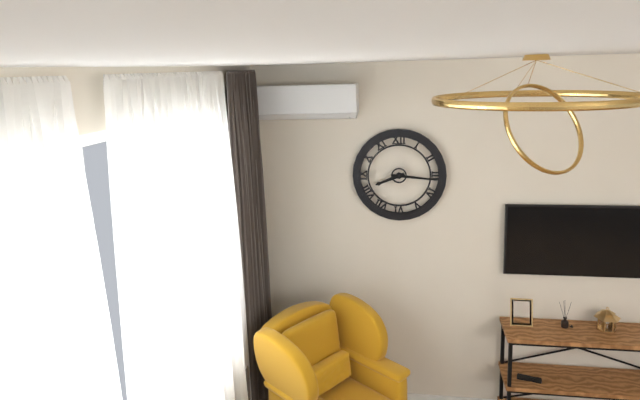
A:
8h16
